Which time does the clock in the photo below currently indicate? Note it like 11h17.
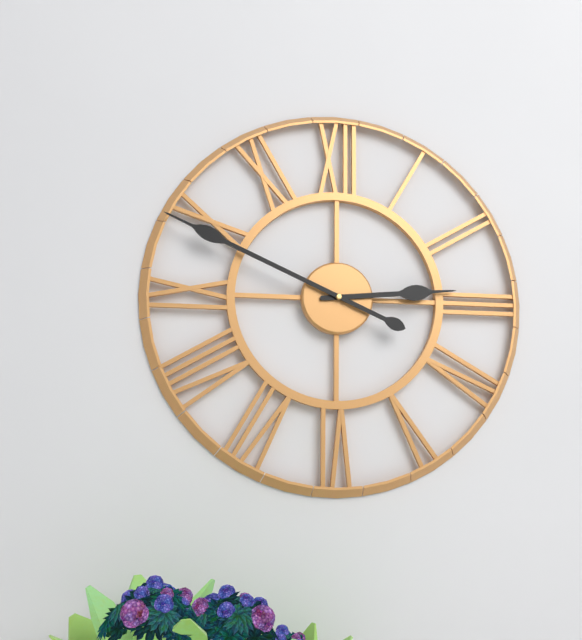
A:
2h49
